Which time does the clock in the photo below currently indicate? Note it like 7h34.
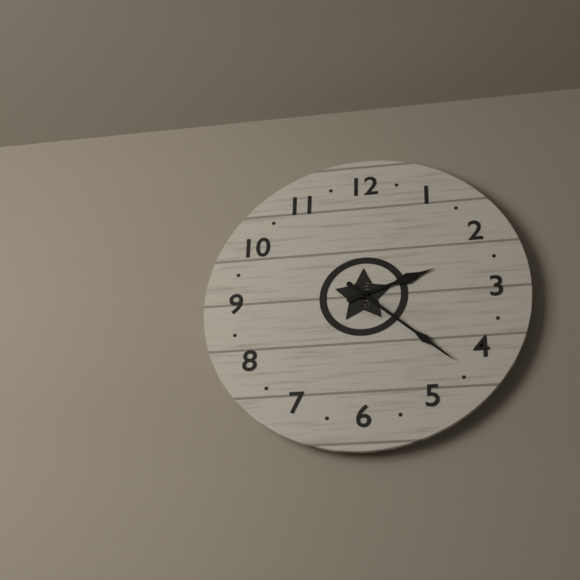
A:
2h22
